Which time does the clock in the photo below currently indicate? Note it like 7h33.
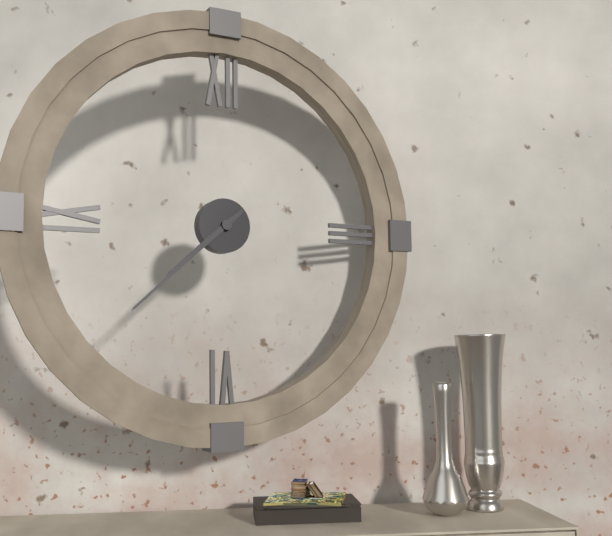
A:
7h38
